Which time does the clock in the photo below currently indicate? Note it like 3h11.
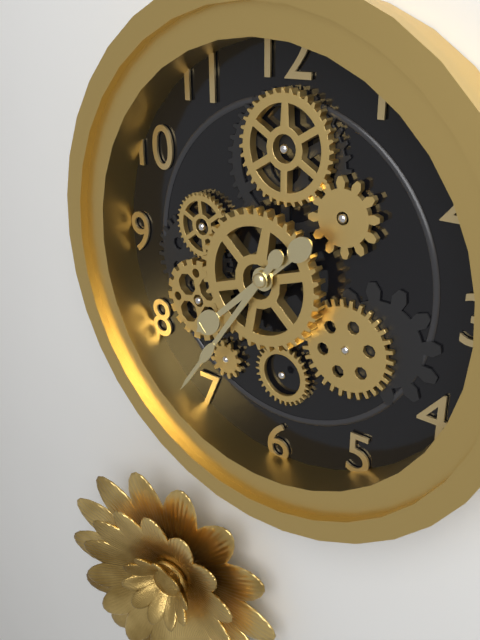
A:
7h36
